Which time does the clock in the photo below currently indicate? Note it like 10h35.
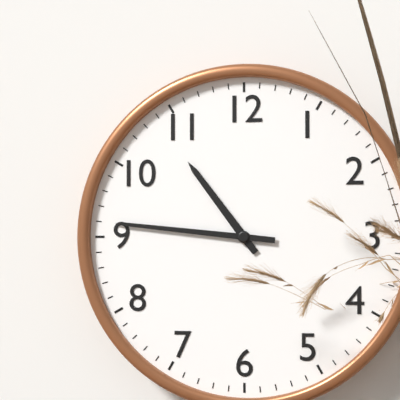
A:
10h46
